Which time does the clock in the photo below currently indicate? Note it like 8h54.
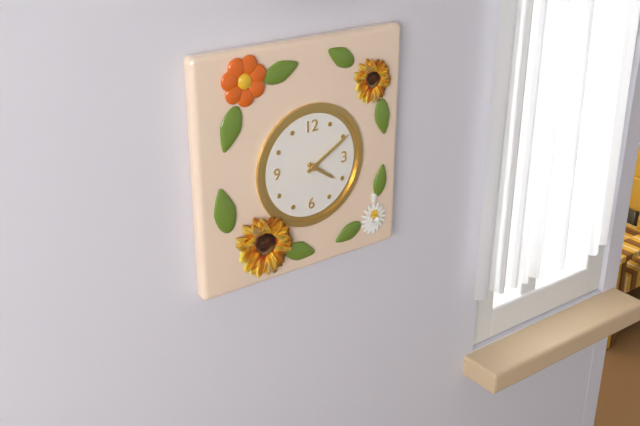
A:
4h10
